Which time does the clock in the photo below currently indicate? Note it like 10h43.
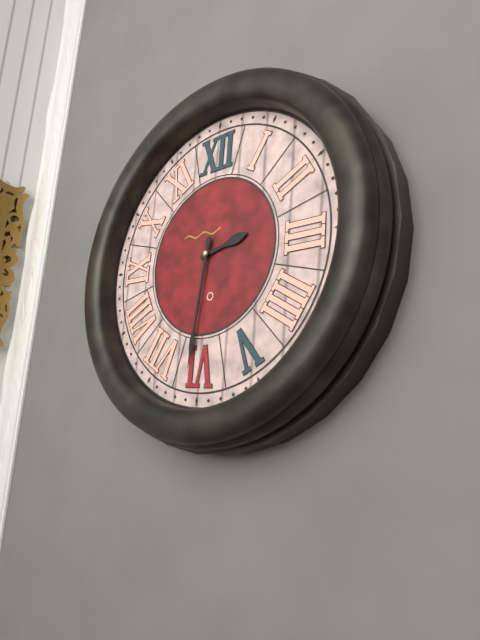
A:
2h31
